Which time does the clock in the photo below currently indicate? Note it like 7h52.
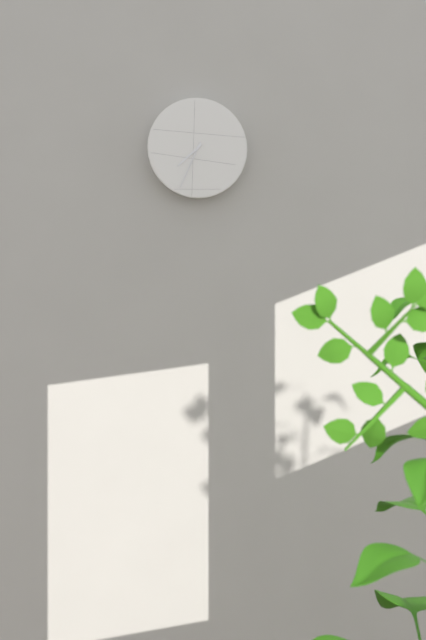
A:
7h34
